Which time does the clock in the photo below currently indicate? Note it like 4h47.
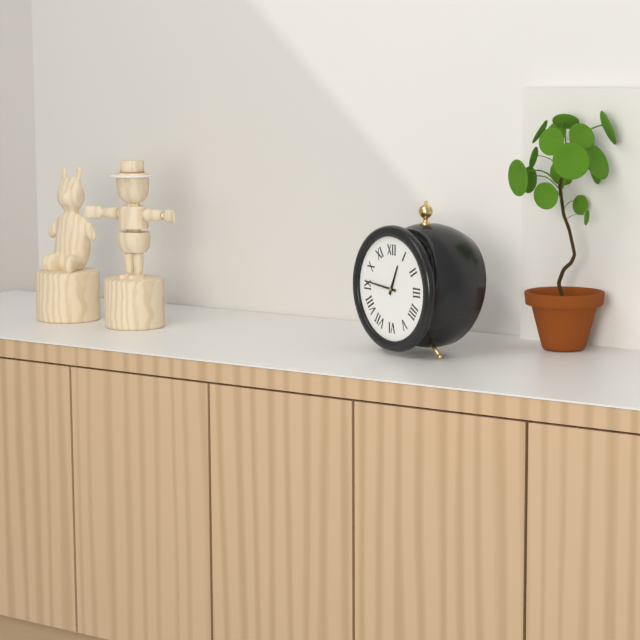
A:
12h46
